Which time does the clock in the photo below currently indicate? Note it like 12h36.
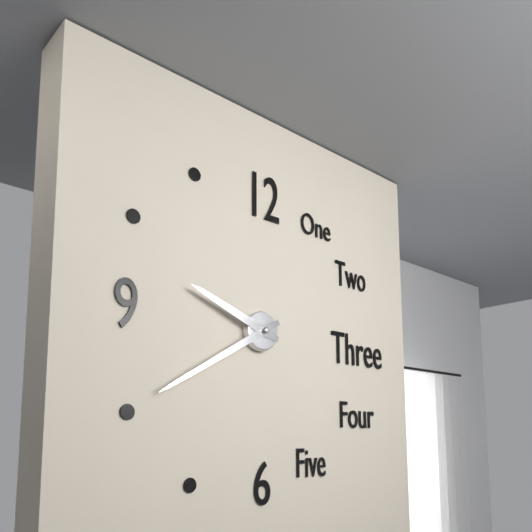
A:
9h40
